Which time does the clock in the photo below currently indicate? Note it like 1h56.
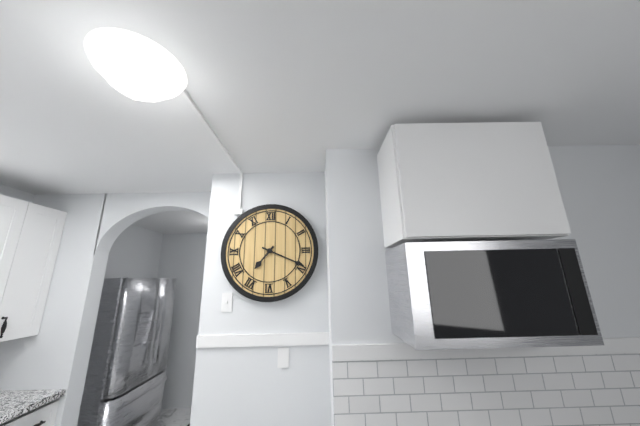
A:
7h19
